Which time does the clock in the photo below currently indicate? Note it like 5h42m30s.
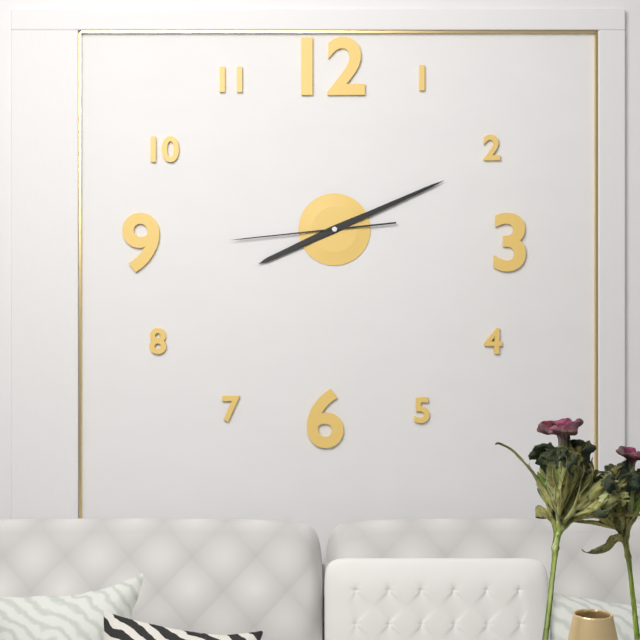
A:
8h11m44s
